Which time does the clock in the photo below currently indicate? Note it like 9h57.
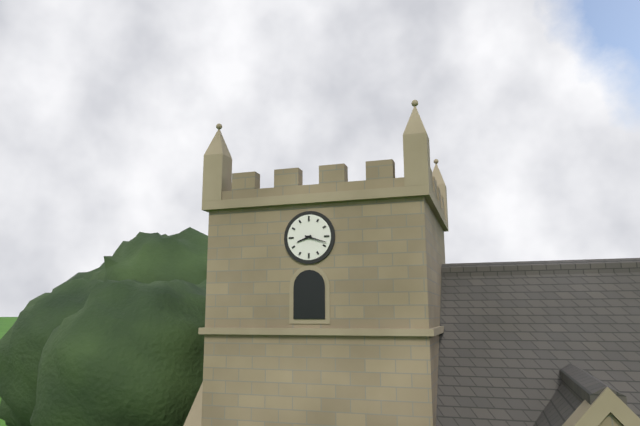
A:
8h18
